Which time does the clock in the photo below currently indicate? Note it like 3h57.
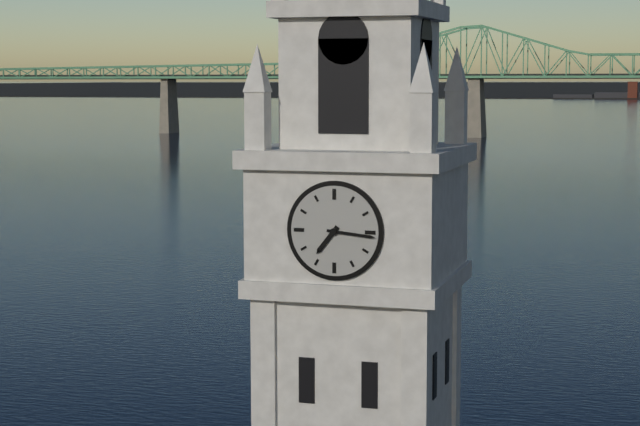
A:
7h16
